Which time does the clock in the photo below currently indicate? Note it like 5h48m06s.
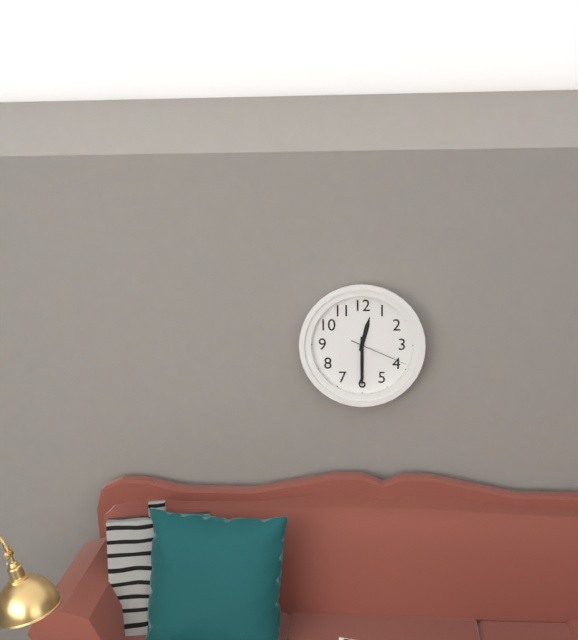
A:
12h30m19s
